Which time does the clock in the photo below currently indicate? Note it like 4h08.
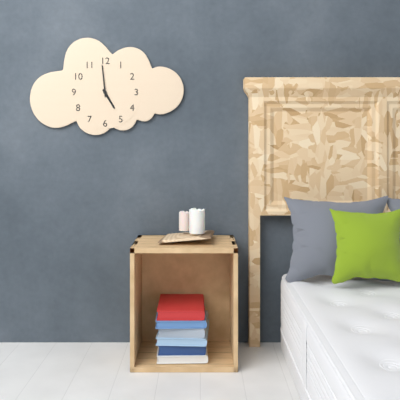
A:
4h59
